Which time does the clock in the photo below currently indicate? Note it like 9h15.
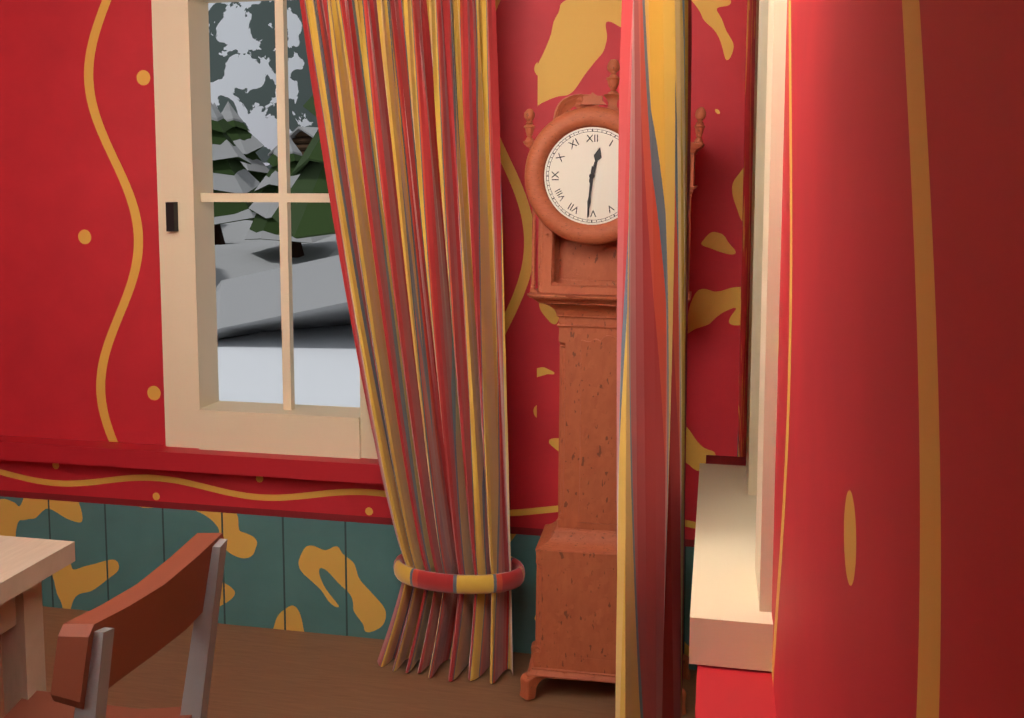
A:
12h31
